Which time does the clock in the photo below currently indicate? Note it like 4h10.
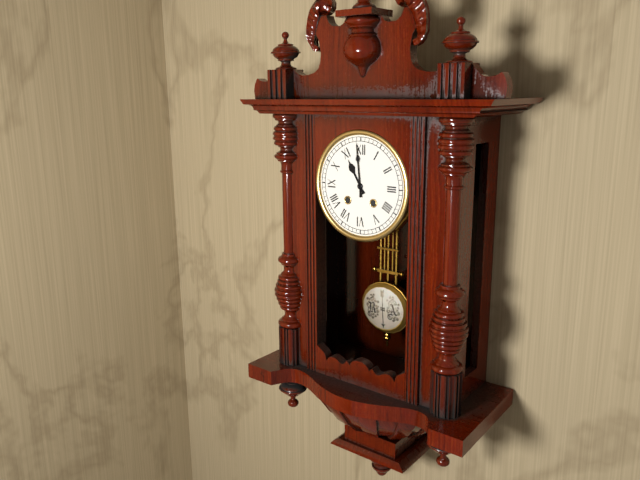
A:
10h59
